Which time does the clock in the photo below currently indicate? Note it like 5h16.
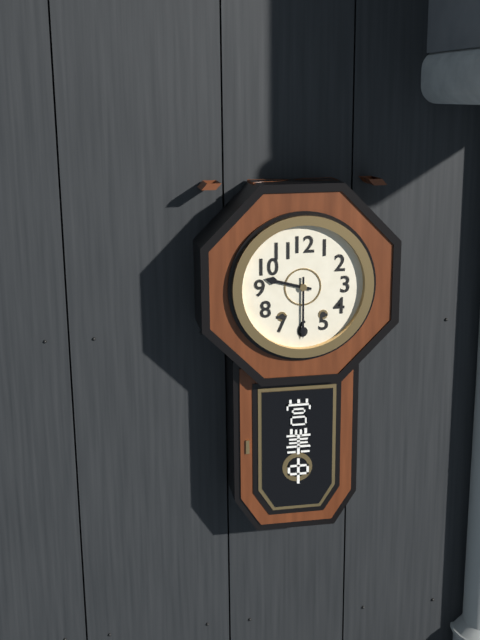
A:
9h30
